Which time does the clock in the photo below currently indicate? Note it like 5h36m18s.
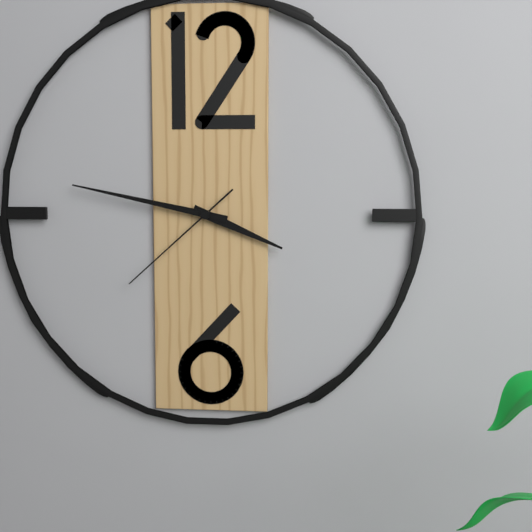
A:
3h47m38s
